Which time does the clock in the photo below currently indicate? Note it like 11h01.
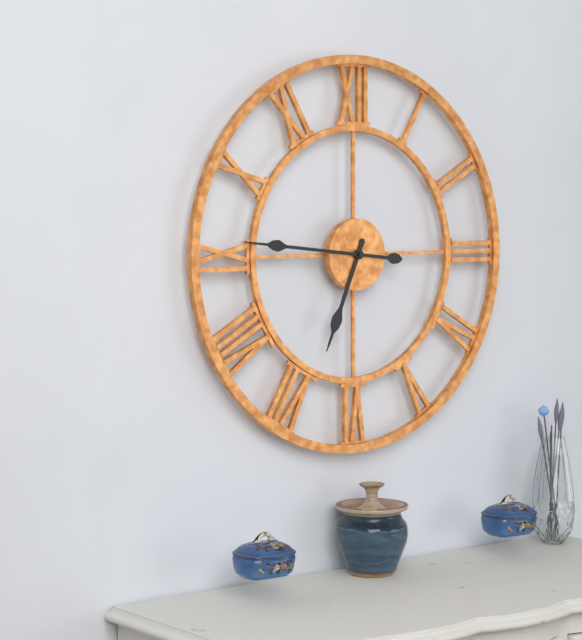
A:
6h46
